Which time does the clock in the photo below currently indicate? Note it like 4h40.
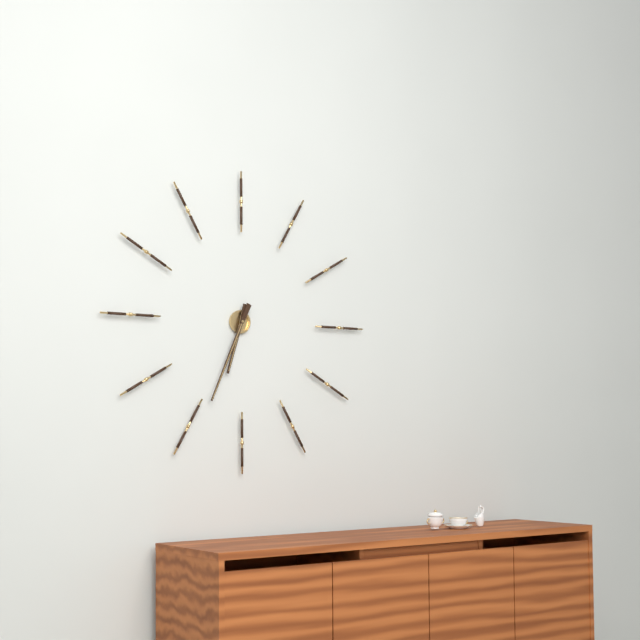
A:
6h34
